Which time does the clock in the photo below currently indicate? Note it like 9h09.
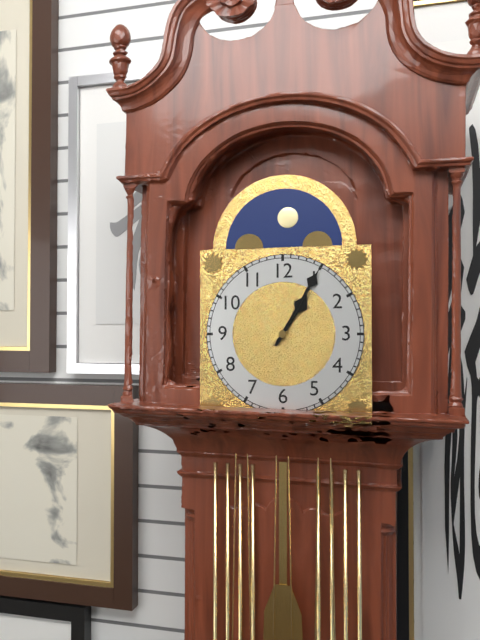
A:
1h05
